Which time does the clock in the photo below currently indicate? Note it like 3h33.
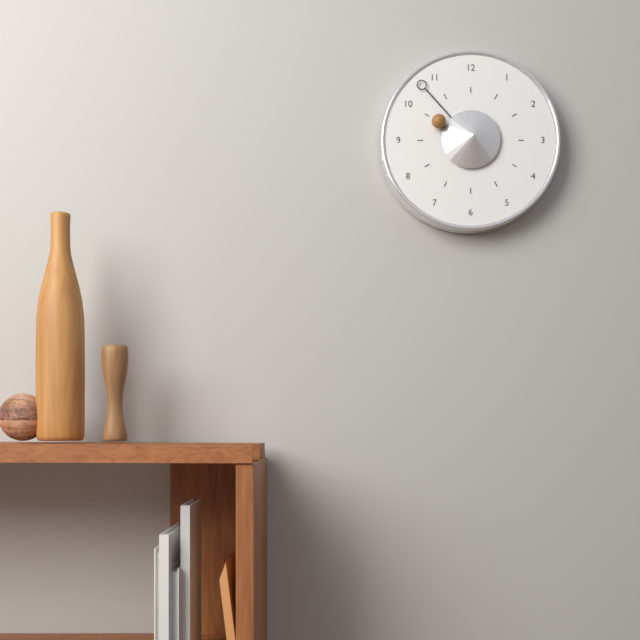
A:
9h53
